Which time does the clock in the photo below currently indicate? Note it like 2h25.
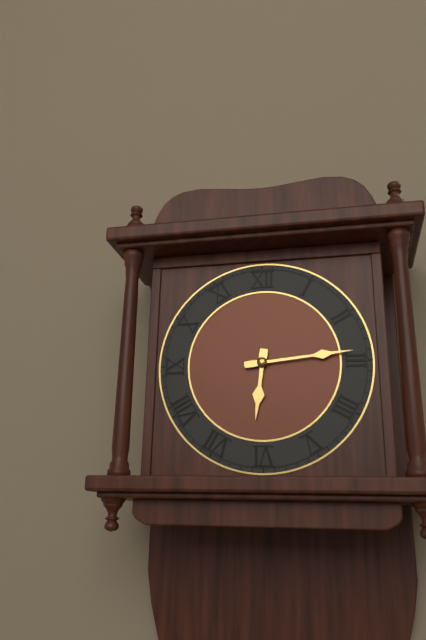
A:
6h14
